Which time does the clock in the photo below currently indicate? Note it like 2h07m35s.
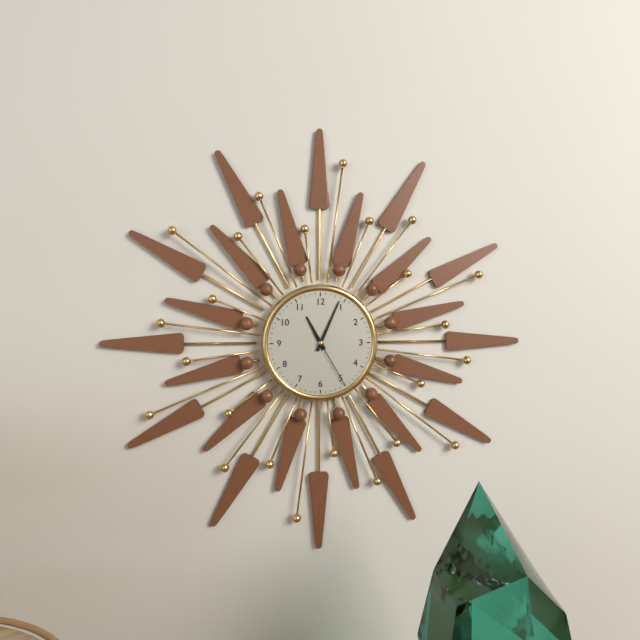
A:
11h04m25s
